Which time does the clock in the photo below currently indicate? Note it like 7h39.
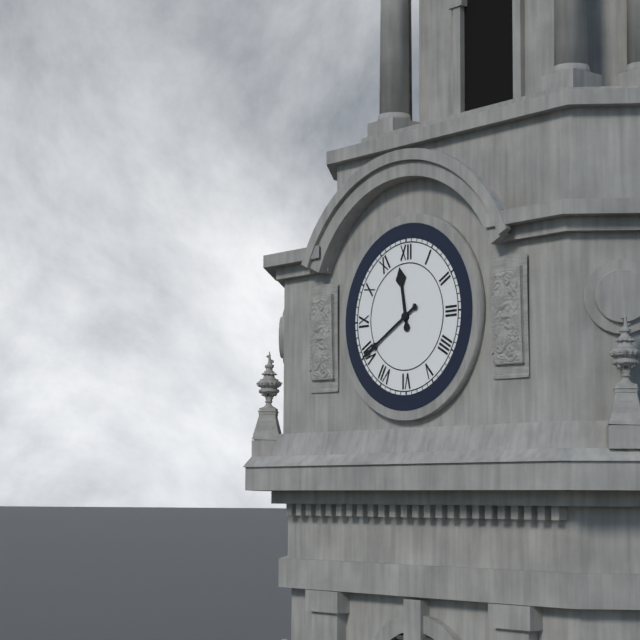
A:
11h40
